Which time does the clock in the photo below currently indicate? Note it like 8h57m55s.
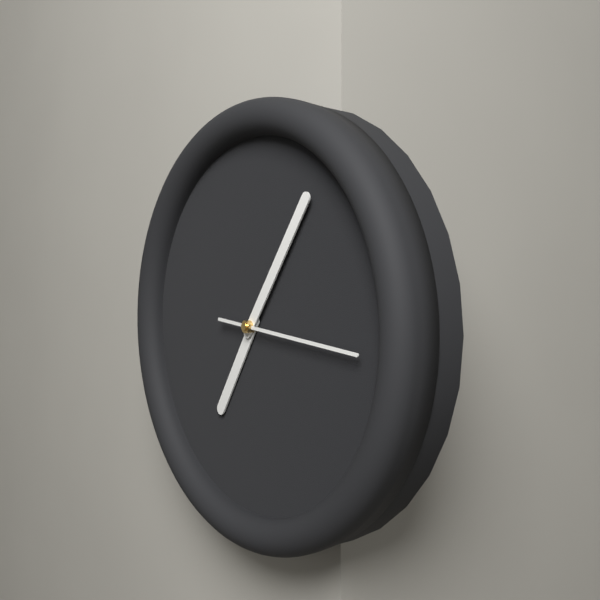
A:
7h06m16s
